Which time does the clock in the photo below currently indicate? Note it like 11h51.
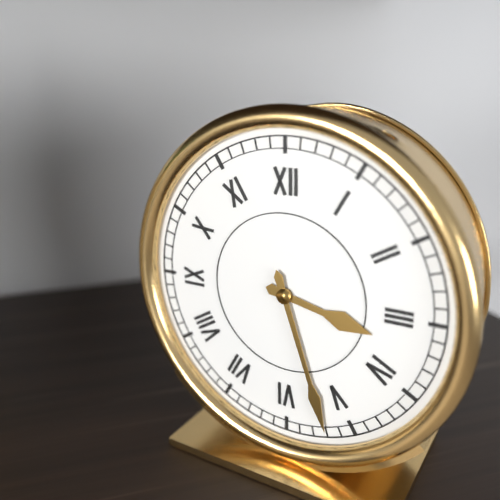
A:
3h27
